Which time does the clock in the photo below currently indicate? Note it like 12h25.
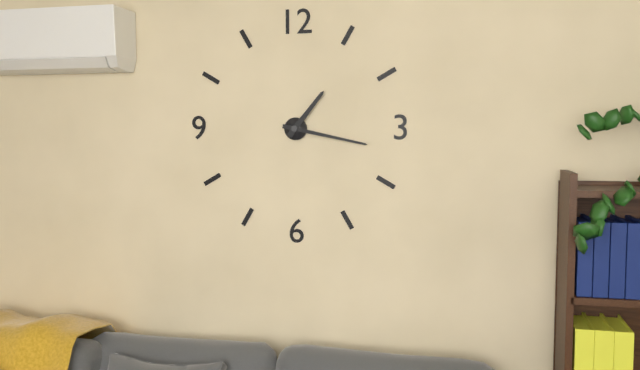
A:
1h17
